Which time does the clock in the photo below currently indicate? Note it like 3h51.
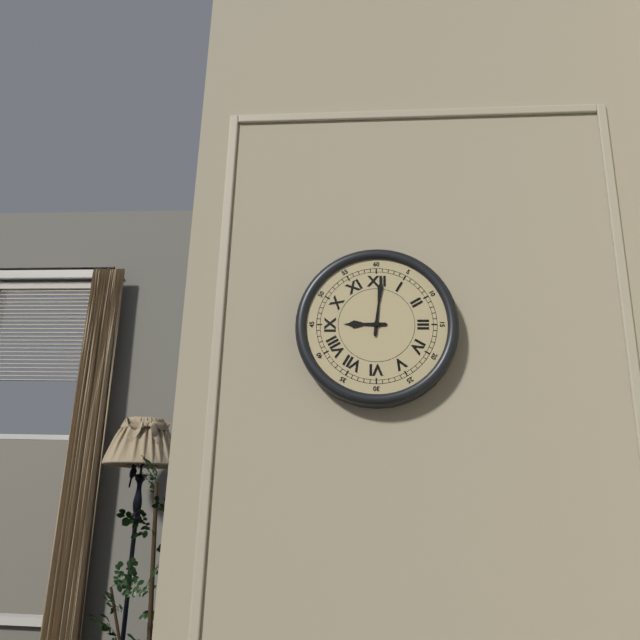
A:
9h01
